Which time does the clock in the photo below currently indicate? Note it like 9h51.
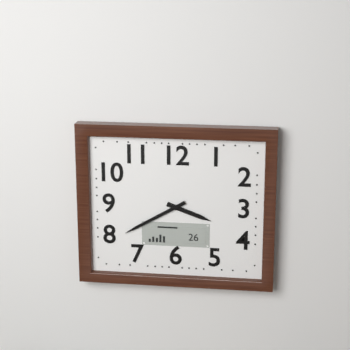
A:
3h40
